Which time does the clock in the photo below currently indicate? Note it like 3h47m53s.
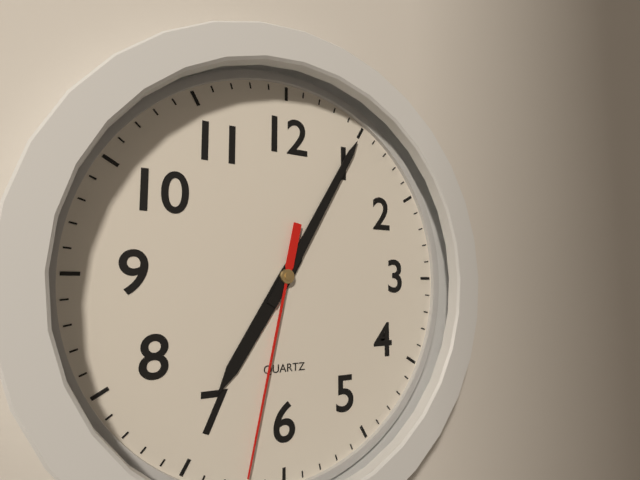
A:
7h05m32s
